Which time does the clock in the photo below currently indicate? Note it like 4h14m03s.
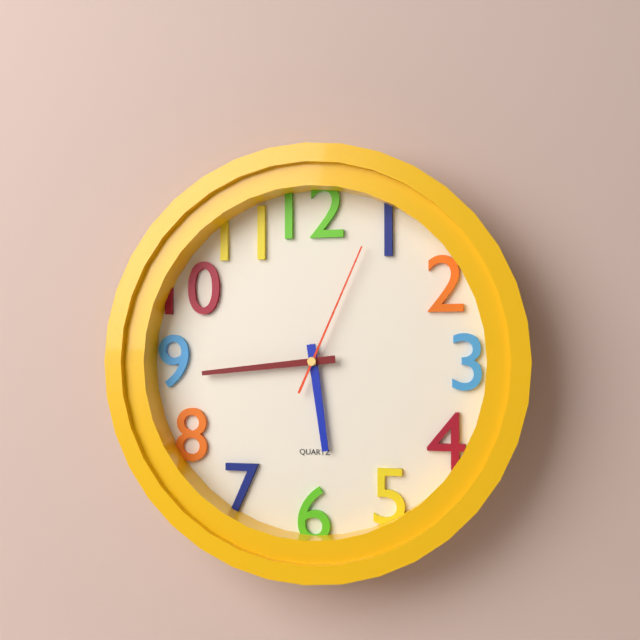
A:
5h44m04s
